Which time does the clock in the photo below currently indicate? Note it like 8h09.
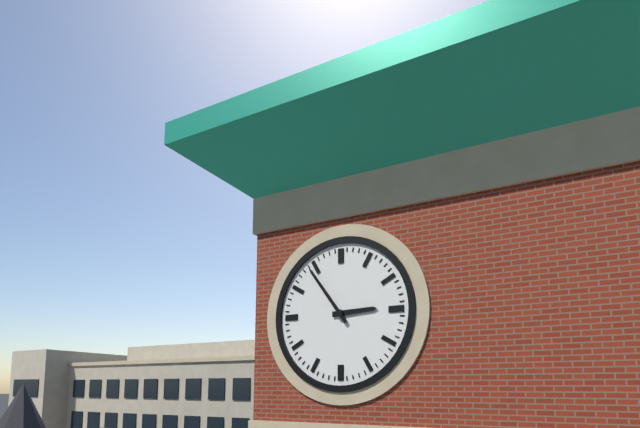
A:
2h54
